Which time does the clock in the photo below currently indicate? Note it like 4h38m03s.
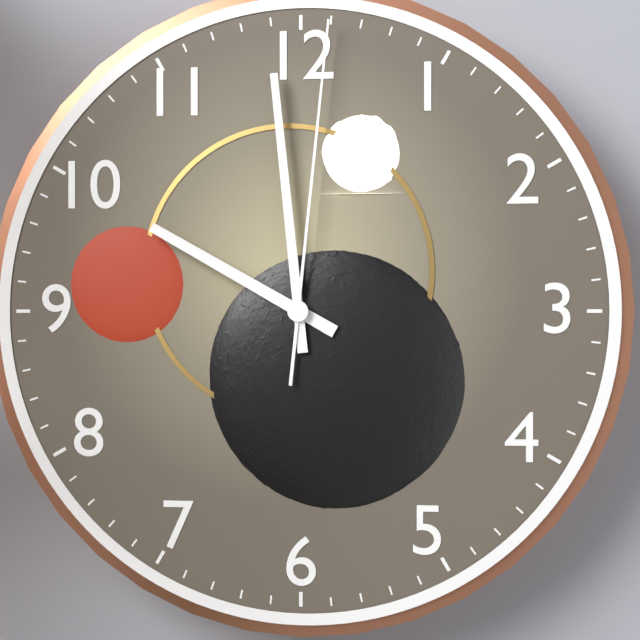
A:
9h59m01s
